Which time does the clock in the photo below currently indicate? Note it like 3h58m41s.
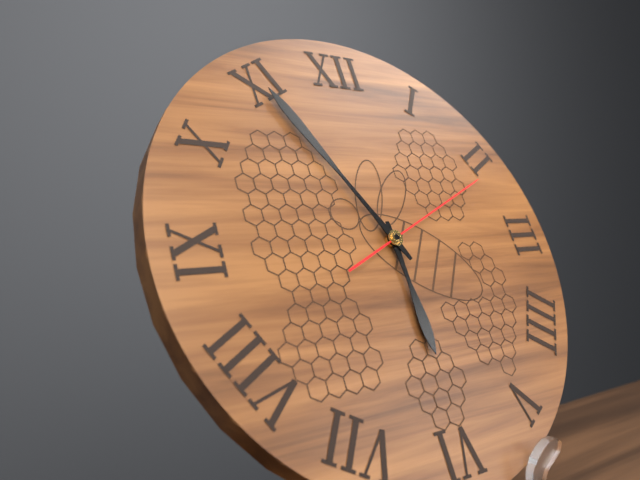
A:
5h55m11s
